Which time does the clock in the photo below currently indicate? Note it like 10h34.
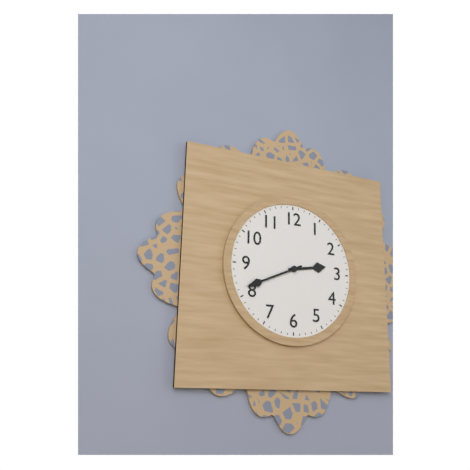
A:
2h41
